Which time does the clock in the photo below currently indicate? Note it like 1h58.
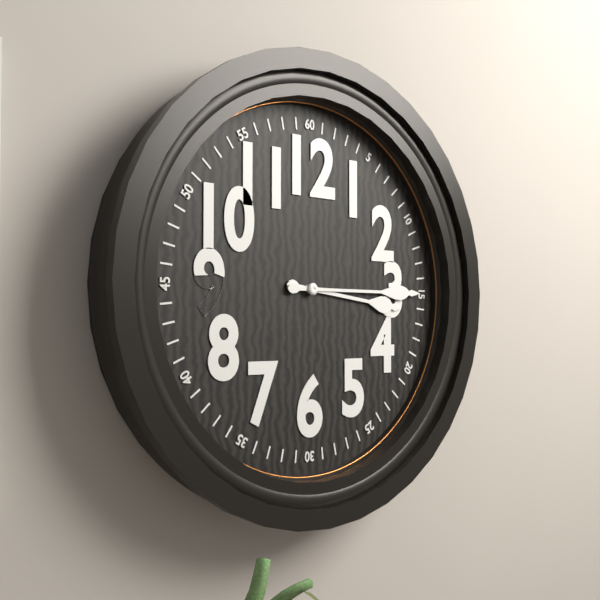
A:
3h15
